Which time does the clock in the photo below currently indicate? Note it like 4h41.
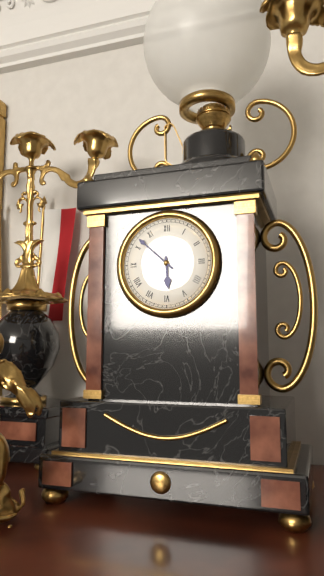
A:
5h52
